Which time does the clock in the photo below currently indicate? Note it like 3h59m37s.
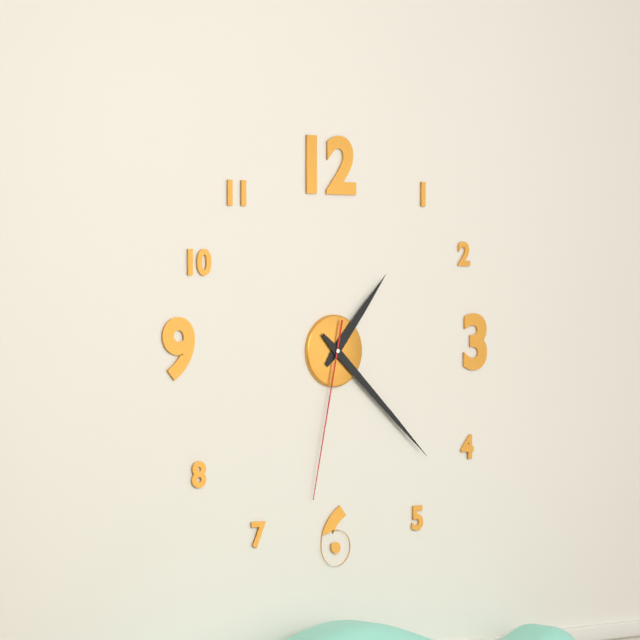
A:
1h22m32s
